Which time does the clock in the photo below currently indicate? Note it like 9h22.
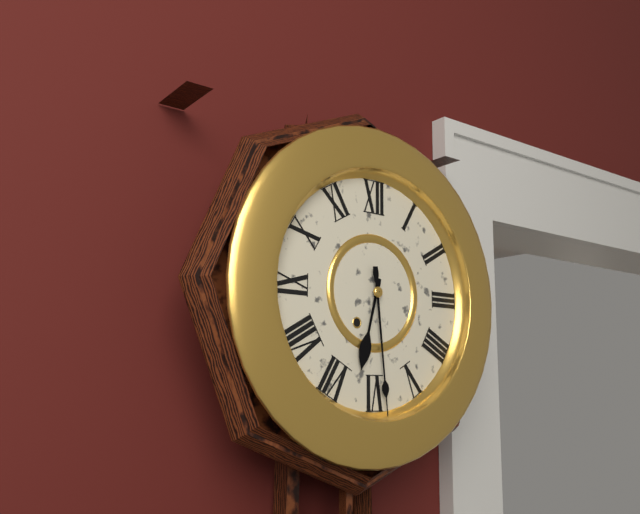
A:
6h29
